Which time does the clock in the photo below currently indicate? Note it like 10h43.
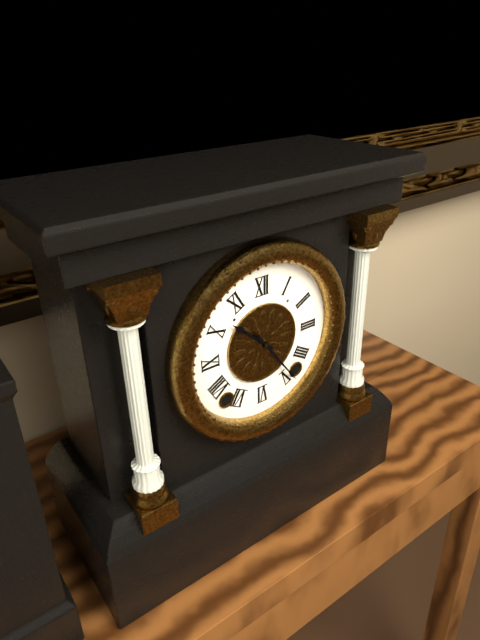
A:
10h24
